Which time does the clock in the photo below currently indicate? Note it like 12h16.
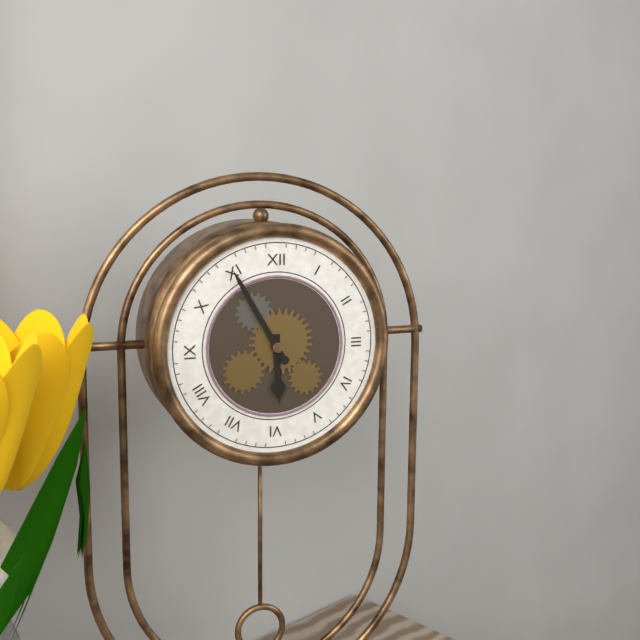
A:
5h55
